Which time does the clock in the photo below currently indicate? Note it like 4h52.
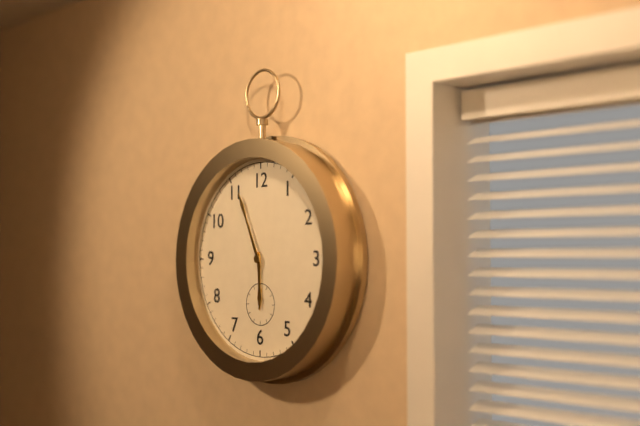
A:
5h56
